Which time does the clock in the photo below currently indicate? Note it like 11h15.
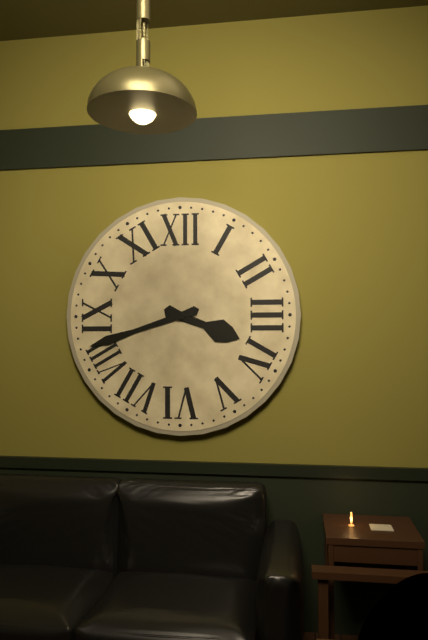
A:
3h42
